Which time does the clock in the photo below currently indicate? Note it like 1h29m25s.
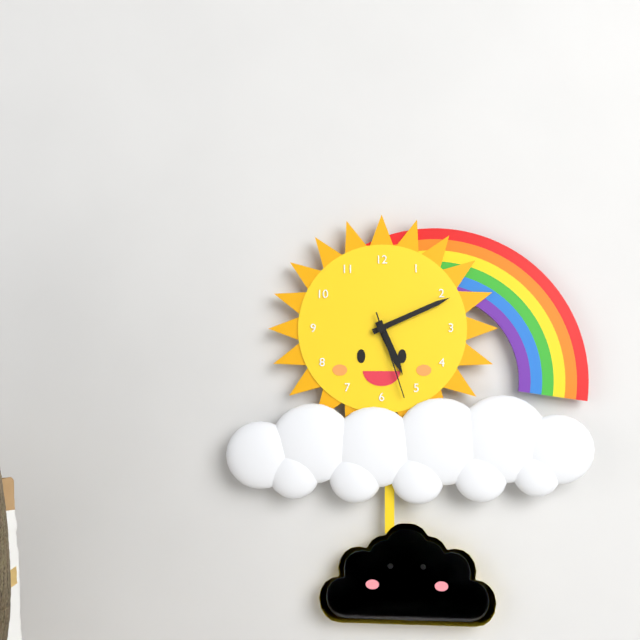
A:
5h11m27s
